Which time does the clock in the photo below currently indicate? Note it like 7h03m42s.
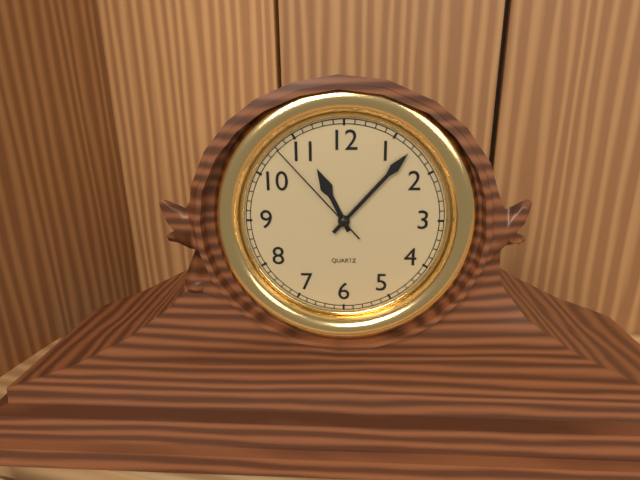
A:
11h07m53s
